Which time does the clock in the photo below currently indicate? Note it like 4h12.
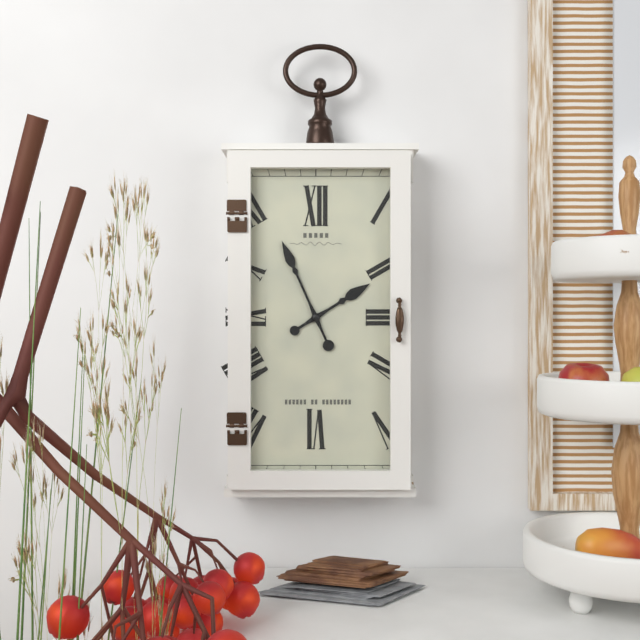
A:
1h56
